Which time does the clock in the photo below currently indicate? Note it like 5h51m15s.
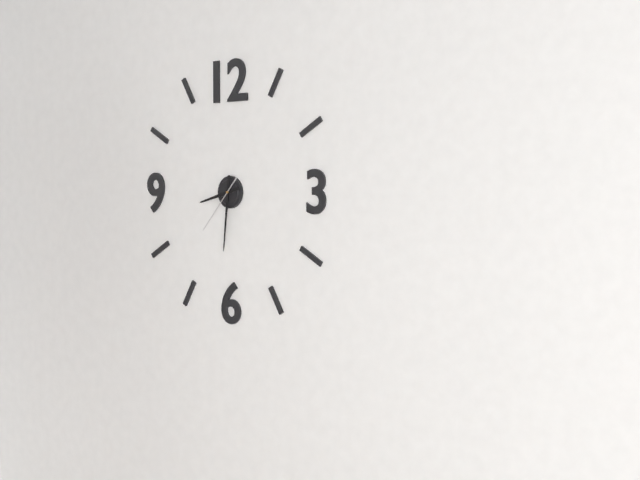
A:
8h31m37s
